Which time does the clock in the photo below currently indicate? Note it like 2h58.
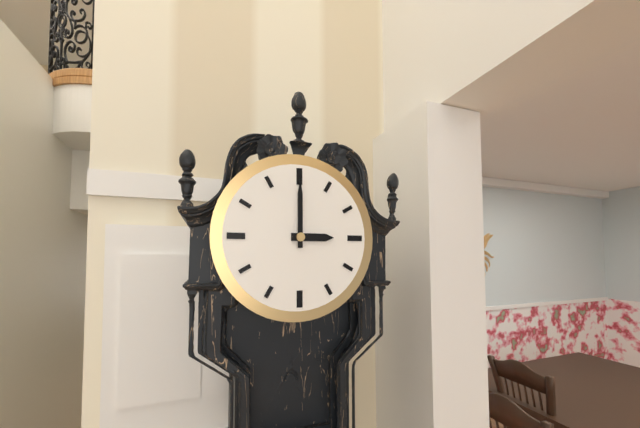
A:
3h00
